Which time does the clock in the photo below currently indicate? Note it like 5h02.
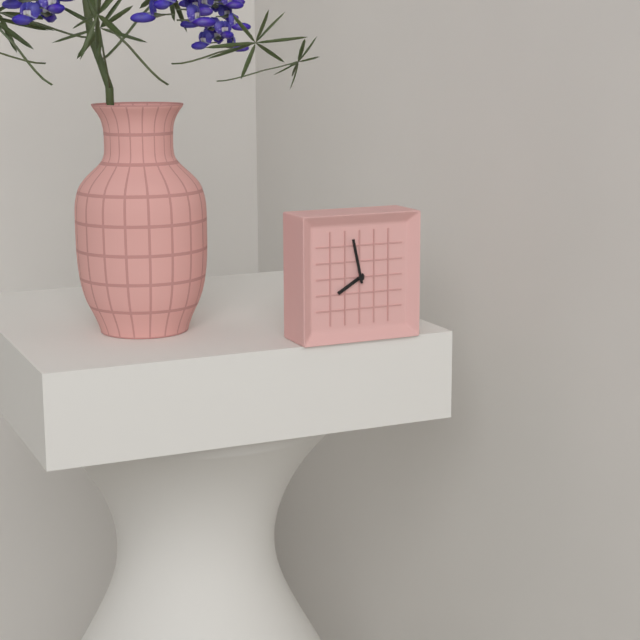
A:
7h58
